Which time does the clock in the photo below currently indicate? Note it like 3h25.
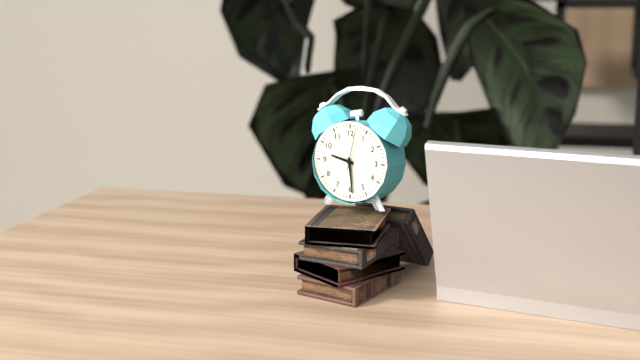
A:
9h29
